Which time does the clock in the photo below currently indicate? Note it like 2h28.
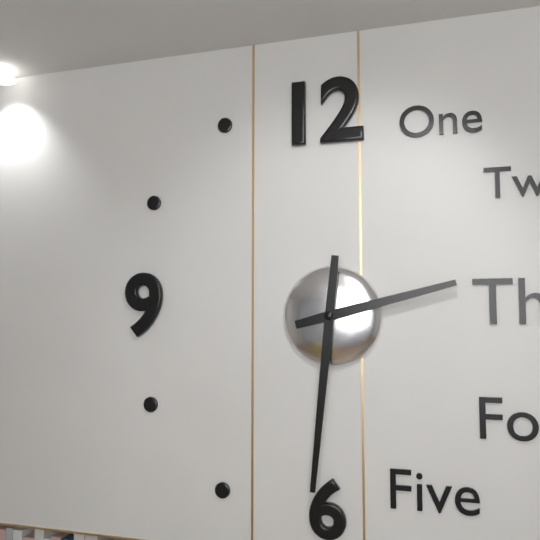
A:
2h31
